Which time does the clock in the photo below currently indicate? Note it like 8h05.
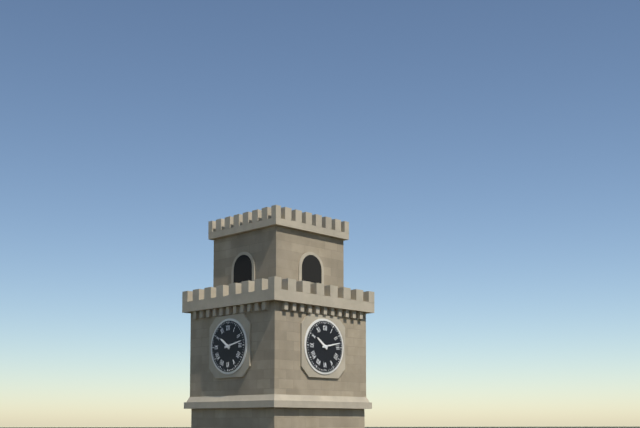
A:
10h13
